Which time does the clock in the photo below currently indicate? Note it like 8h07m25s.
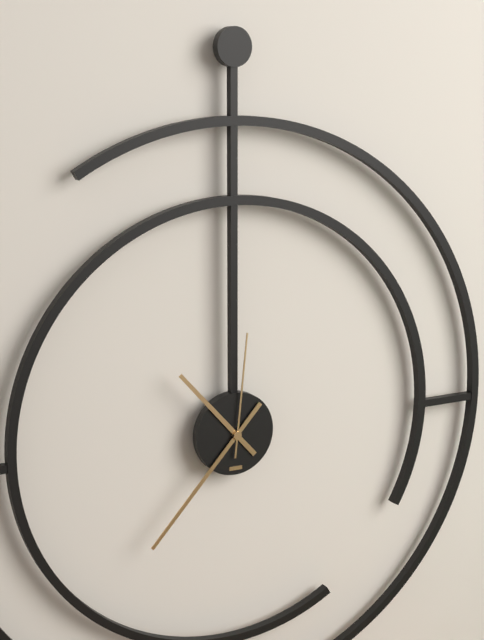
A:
10h37m01s
